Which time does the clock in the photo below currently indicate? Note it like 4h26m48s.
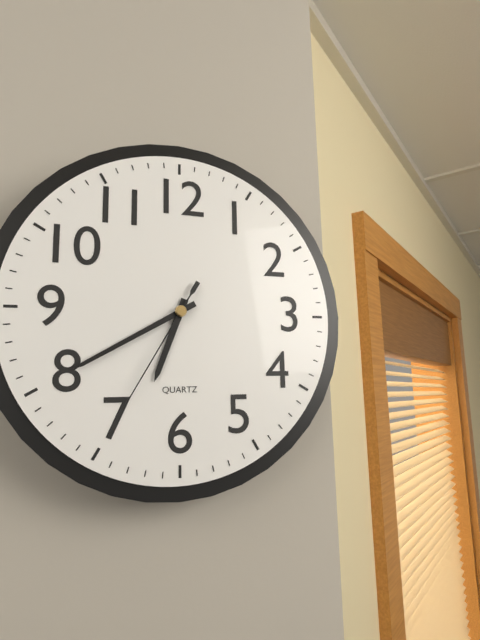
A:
6h40m35s
